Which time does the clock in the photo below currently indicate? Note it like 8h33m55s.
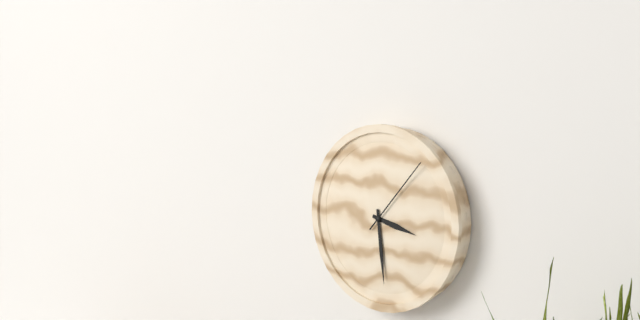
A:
3h29m07s
